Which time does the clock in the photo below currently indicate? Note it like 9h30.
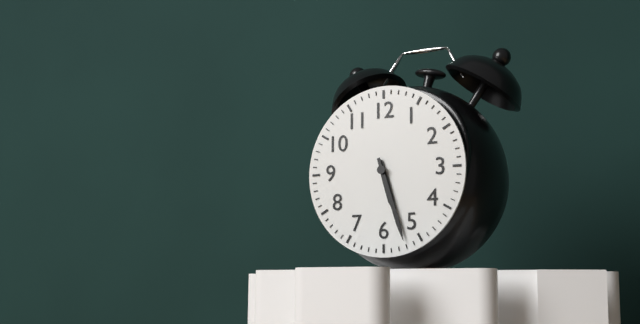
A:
5h27
